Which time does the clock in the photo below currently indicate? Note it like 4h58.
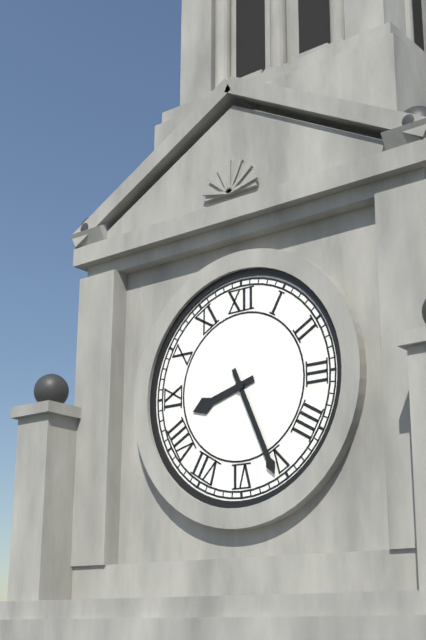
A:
8h26
